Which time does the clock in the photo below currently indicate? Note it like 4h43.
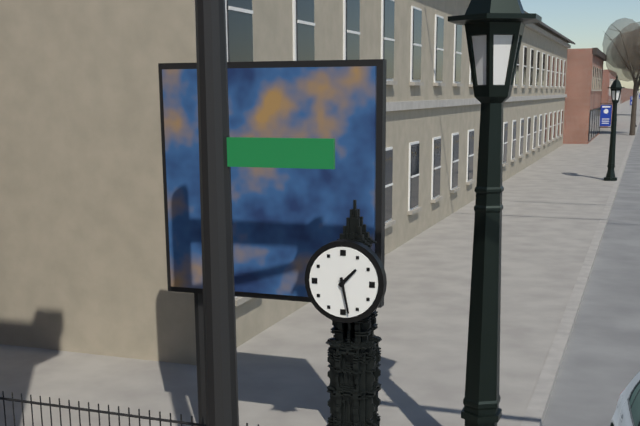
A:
1h28
